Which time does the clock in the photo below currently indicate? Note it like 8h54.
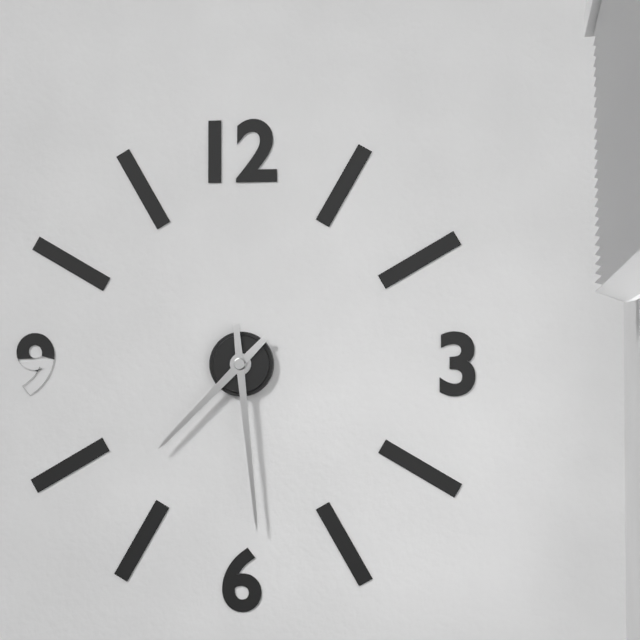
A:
7h29
